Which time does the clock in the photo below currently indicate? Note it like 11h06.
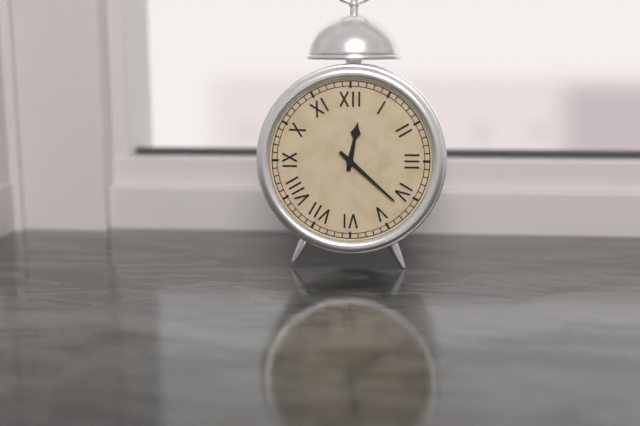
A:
12h22
